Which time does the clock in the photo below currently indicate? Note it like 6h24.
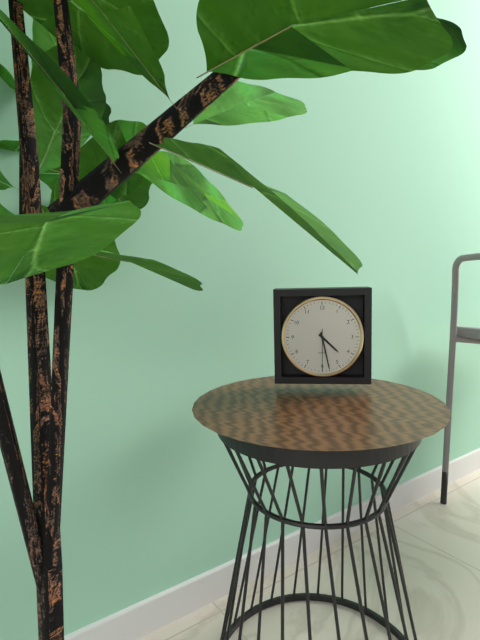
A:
4h28
